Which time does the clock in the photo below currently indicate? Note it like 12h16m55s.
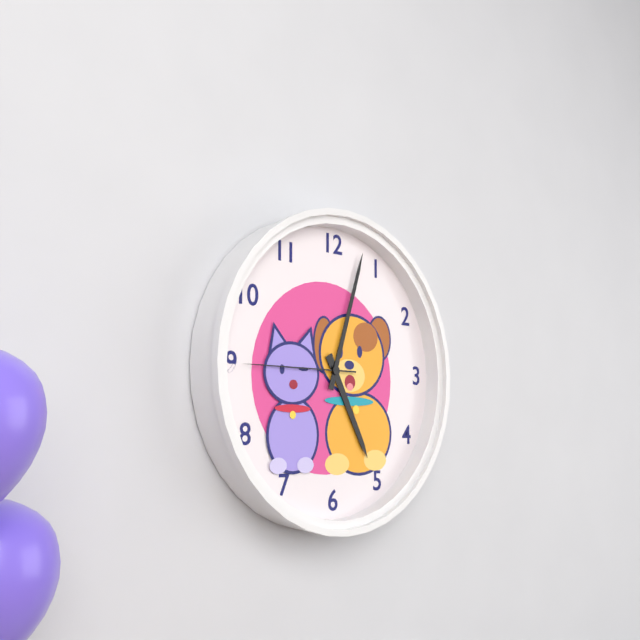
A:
5h03m45s
